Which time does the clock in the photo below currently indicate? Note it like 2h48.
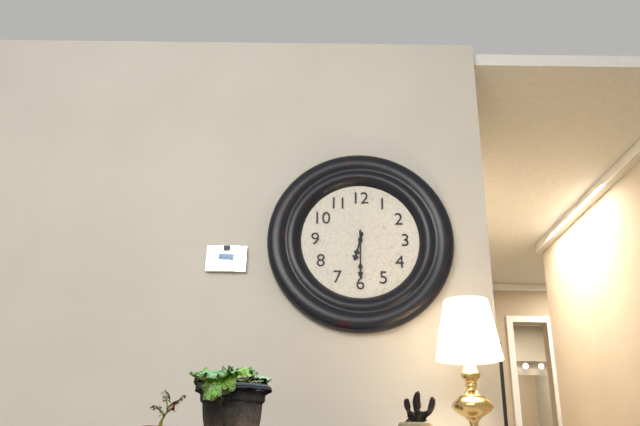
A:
6h30
